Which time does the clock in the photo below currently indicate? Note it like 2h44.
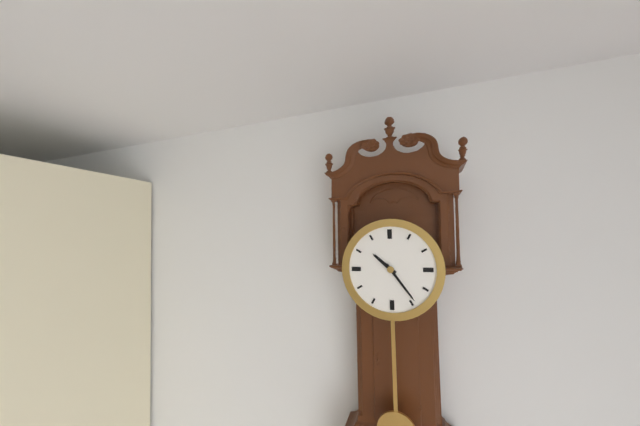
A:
10h24
